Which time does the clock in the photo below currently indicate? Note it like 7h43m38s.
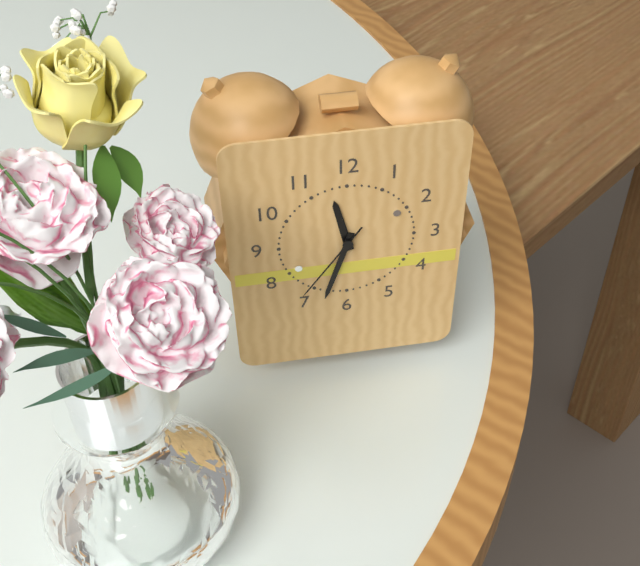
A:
11h33m36s
